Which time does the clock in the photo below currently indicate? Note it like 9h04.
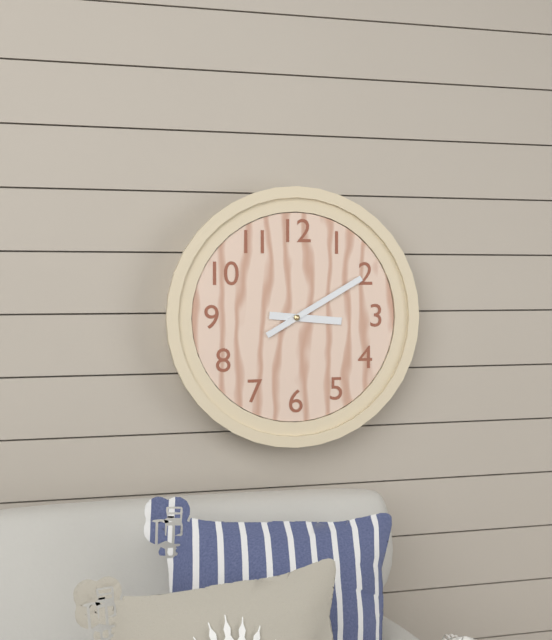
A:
3h10
